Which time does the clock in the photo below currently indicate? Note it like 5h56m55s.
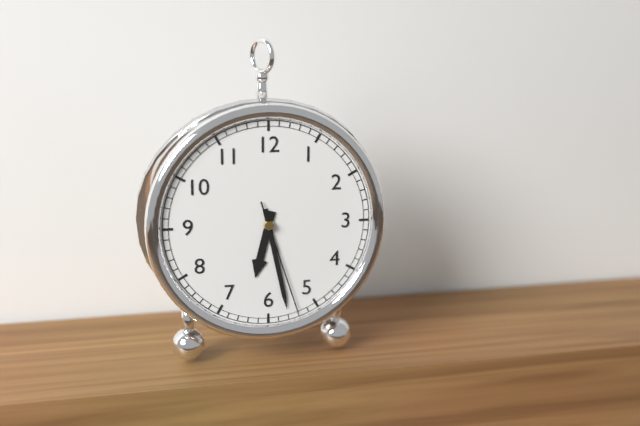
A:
6h28m27s
